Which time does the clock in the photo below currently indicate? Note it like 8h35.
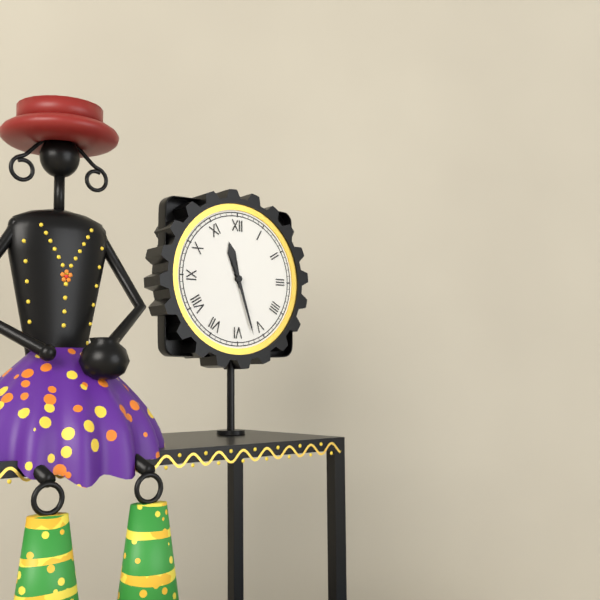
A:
11h27
